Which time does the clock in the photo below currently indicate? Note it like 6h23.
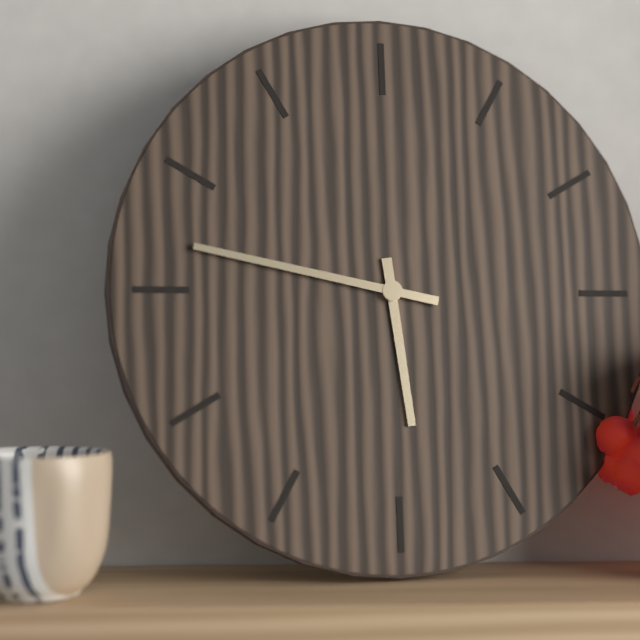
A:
5h47
